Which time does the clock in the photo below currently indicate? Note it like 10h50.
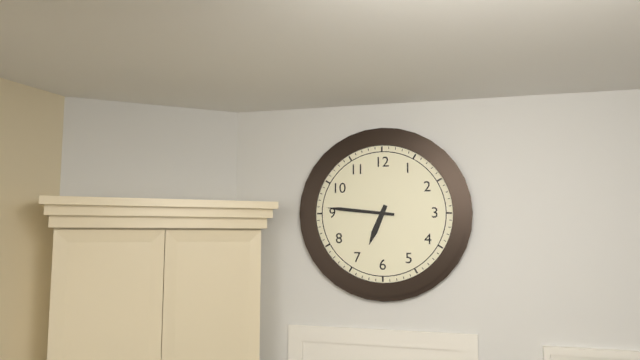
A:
6h46
